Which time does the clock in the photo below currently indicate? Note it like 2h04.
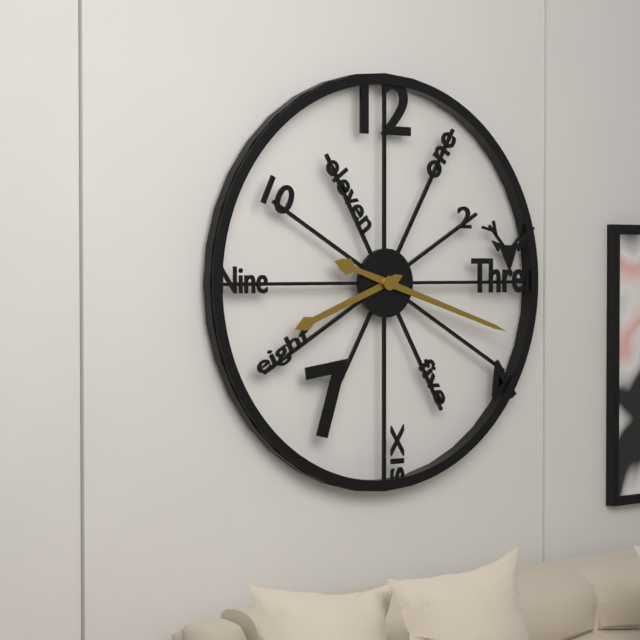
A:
8h18
